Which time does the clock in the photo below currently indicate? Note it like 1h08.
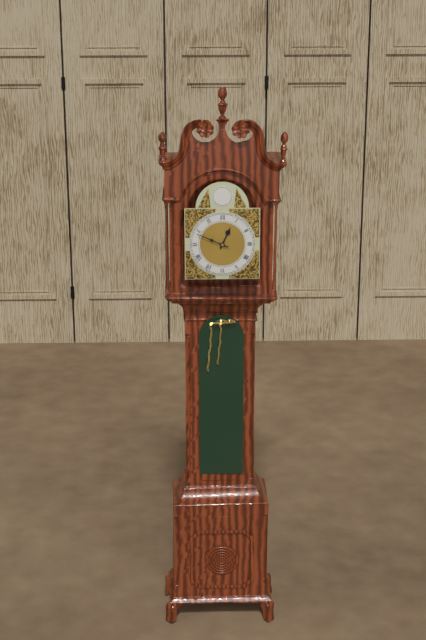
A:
12h49
